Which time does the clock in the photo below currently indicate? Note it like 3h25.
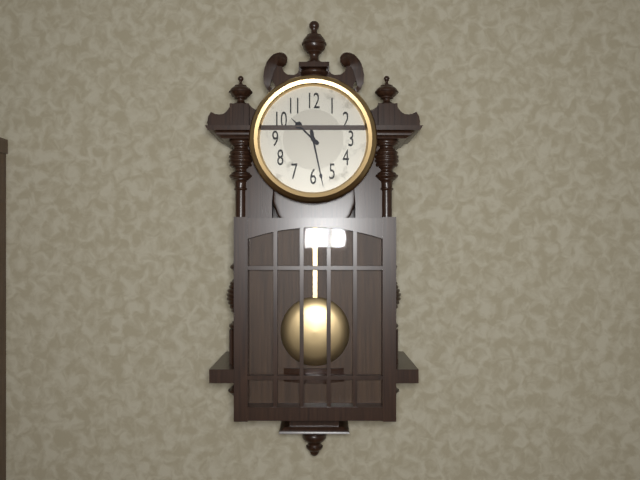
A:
10h28
